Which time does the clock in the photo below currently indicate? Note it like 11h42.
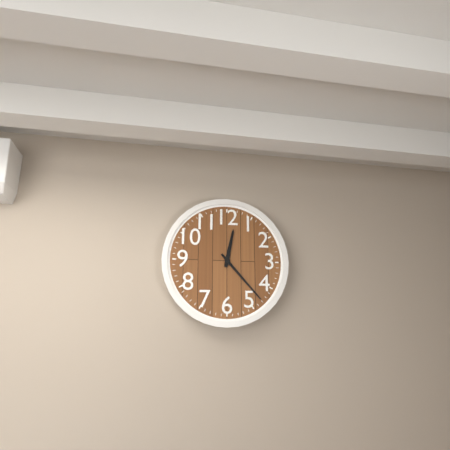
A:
12h23
